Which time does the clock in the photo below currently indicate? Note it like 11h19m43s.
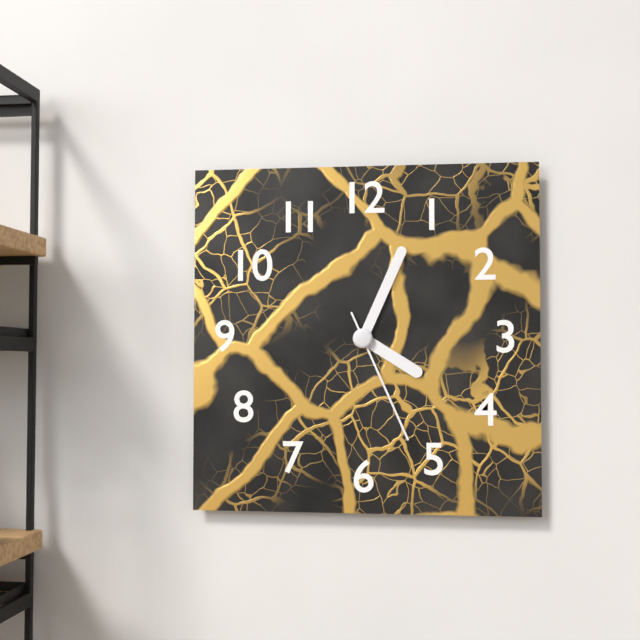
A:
4h04m26s
